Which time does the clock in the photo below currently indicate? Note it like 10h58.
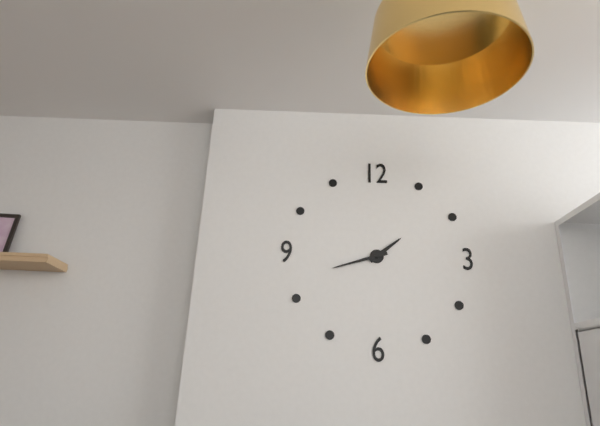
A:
1h42
